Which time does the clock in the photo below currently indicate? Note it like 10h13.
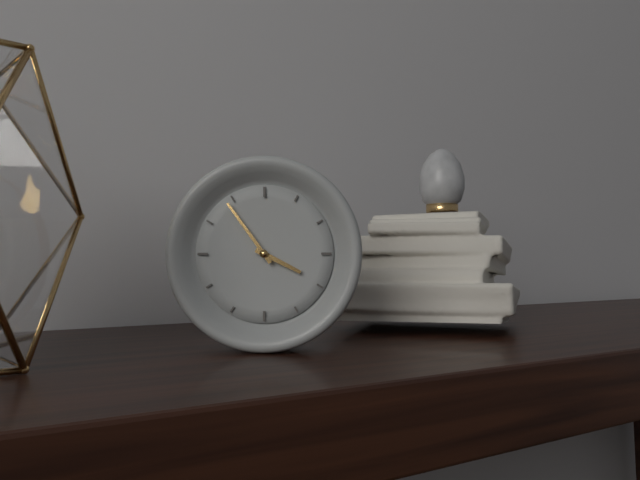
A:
3h54
